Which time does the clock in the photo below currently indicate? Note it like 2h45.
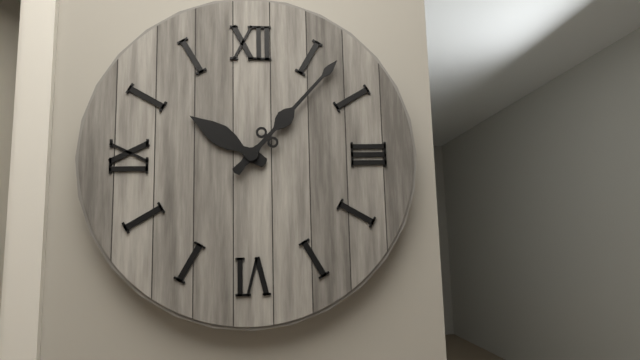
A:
10h07
